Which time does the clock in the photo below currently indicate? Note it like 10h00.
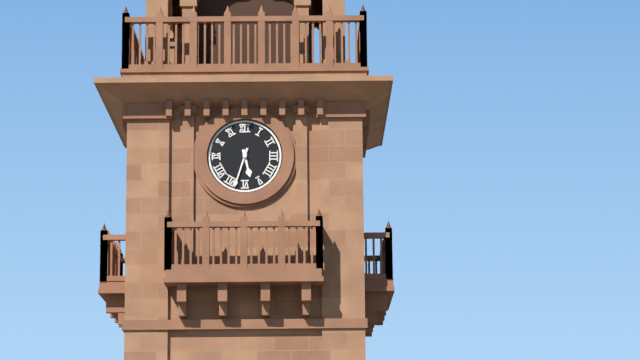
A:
5h33
